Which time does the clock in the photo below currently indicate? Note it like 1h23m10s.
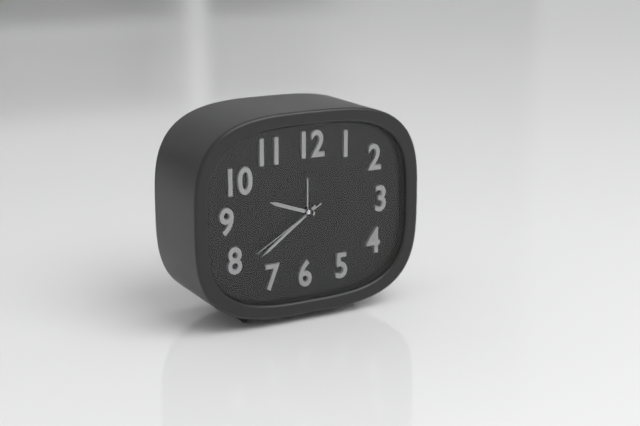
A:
9h39m40s
